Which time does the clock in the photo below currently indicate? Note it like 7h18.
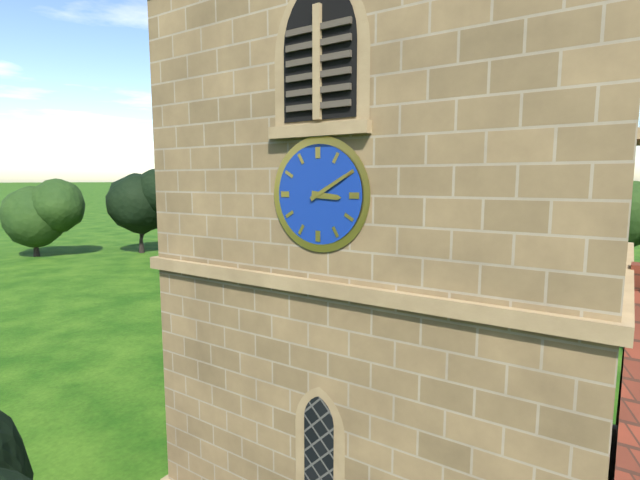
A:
3h10
